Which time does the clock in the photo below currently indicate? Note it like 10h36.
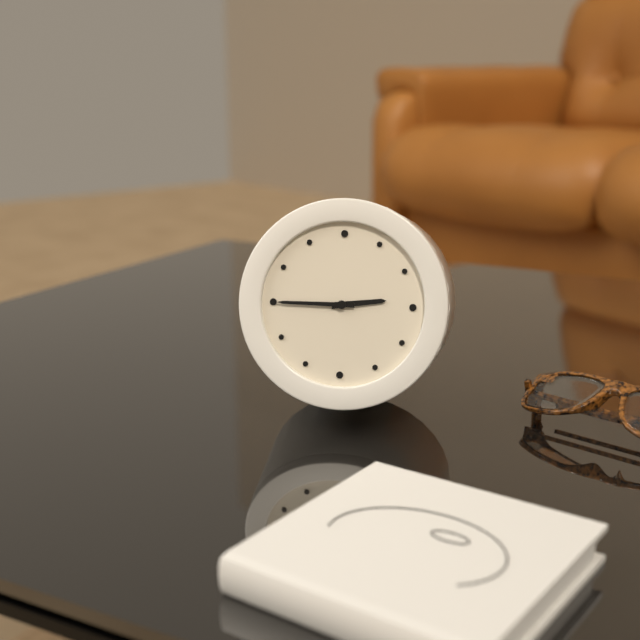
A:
2h45
